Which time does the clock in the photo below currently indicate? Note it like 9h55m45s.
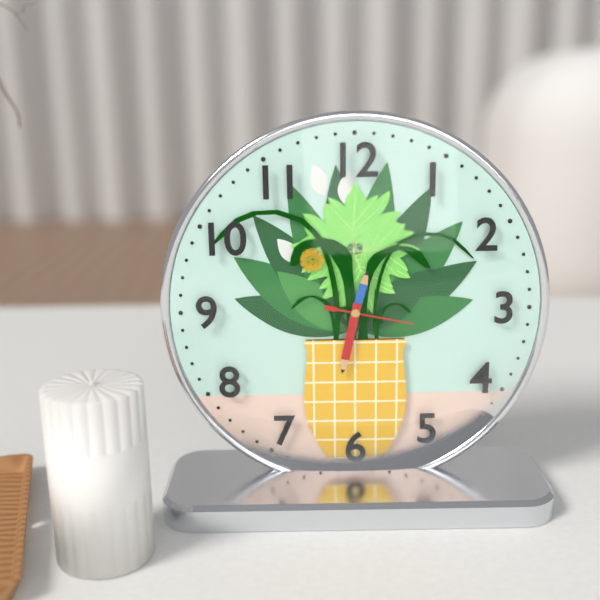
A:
12h32m17s
